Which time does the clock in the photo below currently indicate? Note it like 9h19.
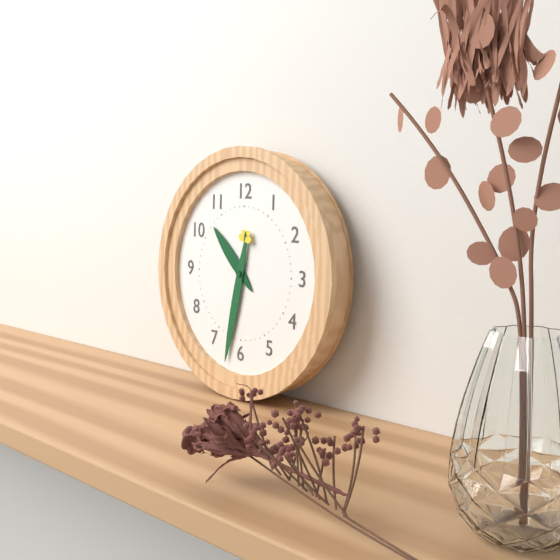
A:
10h32
